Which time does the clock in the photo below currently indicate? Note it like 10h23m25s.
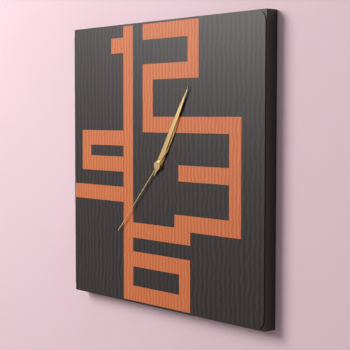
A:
1h05m37s
